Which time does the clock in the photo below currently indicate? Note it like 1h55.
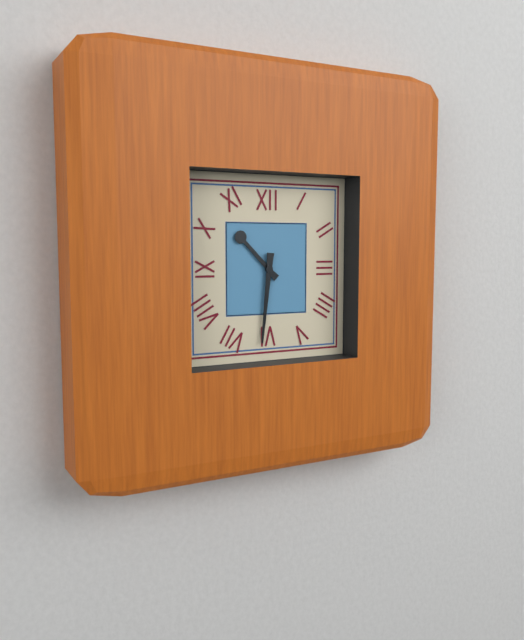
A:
10h31
